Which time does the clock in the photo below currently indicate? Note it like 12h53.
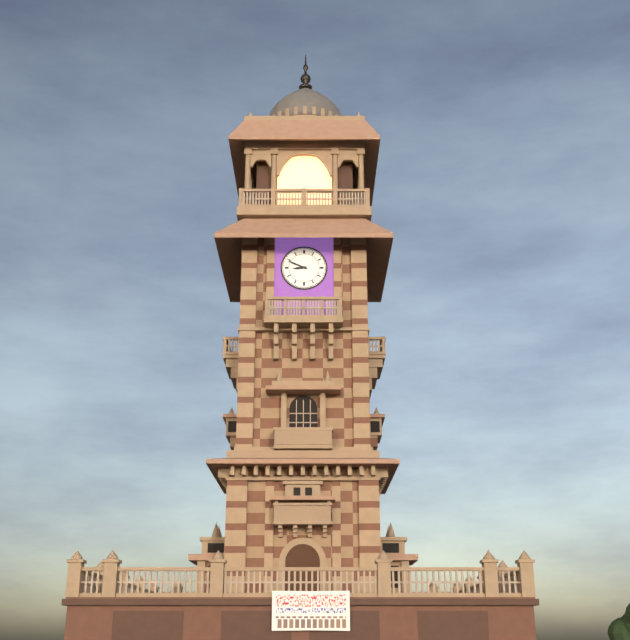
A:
8h49
